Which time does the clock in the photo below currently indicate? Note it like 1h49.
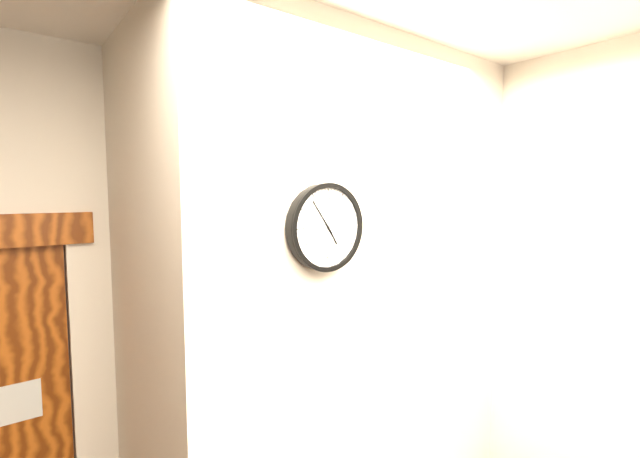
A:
4h54
